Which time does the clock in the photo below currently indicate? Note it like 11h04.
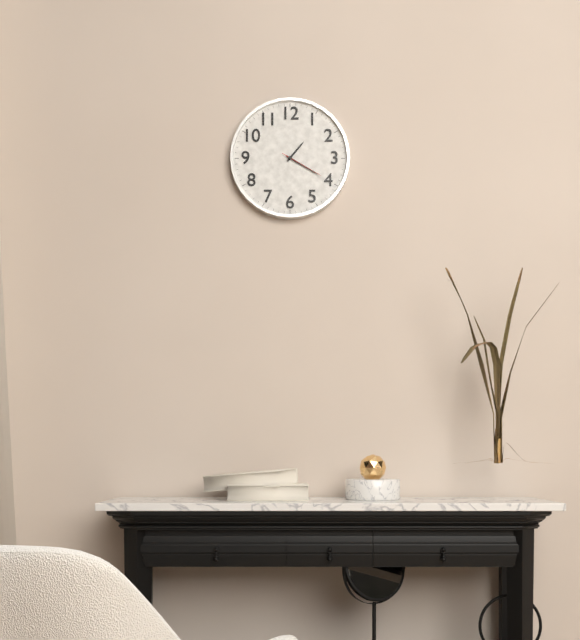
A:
1h20
